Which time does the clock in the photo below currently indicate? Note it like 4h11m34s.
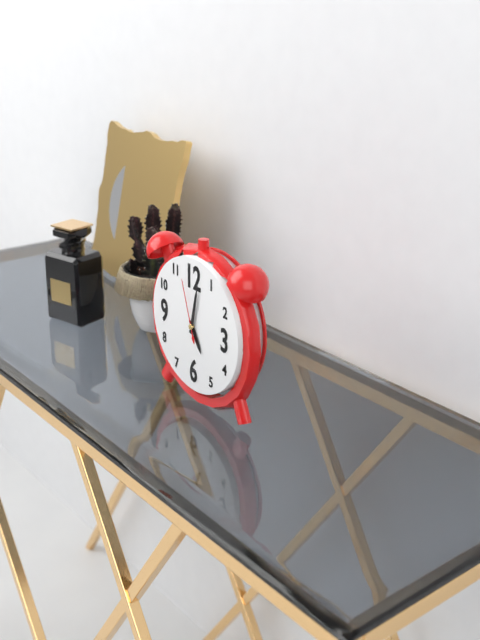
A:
5h02m57s
